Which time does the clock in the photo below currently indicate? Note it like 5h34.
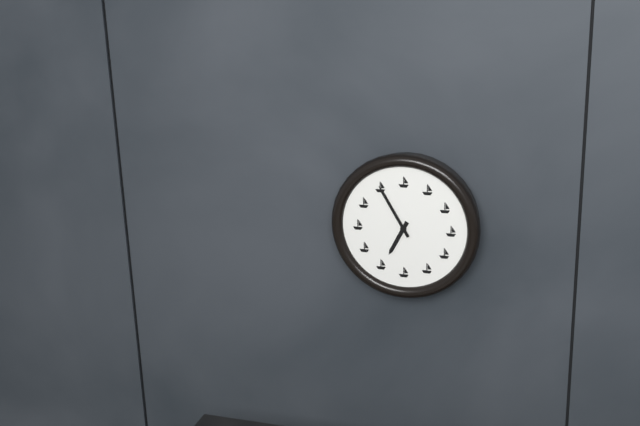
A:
6h55
